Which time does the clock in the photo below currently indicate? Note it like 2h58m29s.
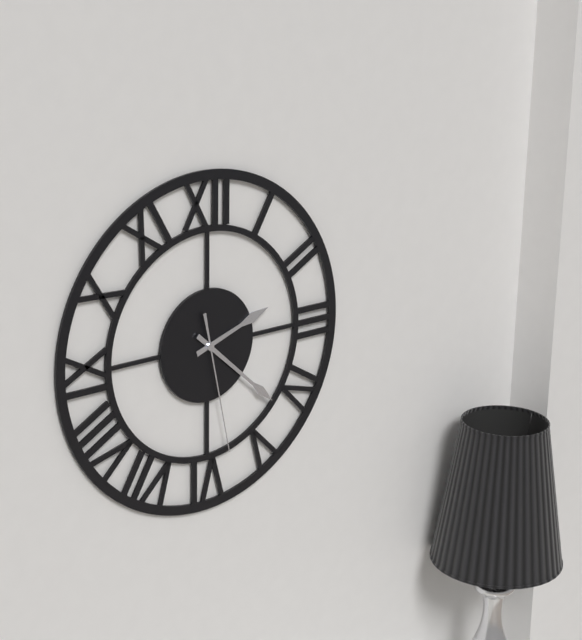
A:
2h22m28s
